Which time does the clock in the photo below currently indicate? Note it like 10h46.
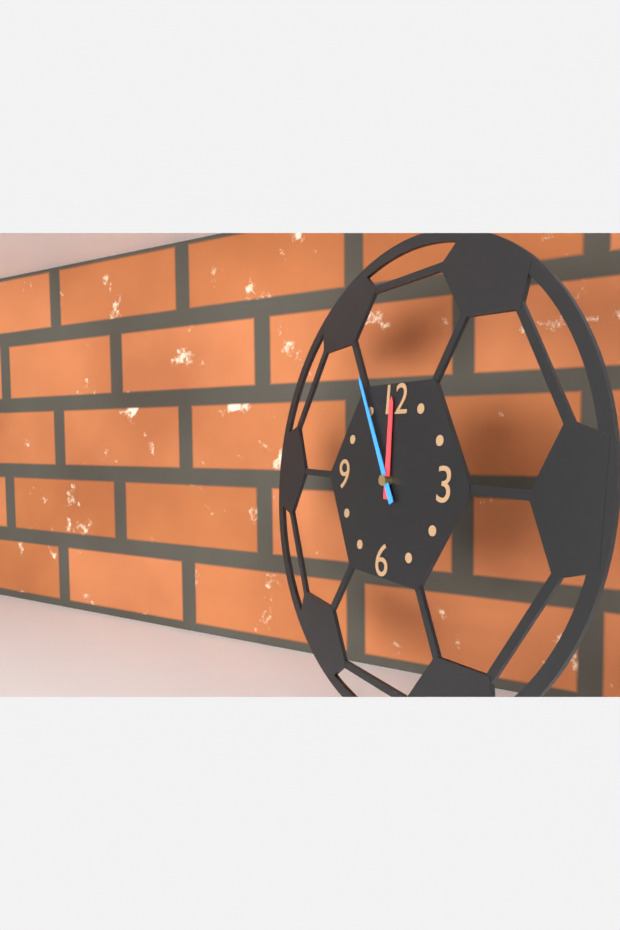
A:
11h55
